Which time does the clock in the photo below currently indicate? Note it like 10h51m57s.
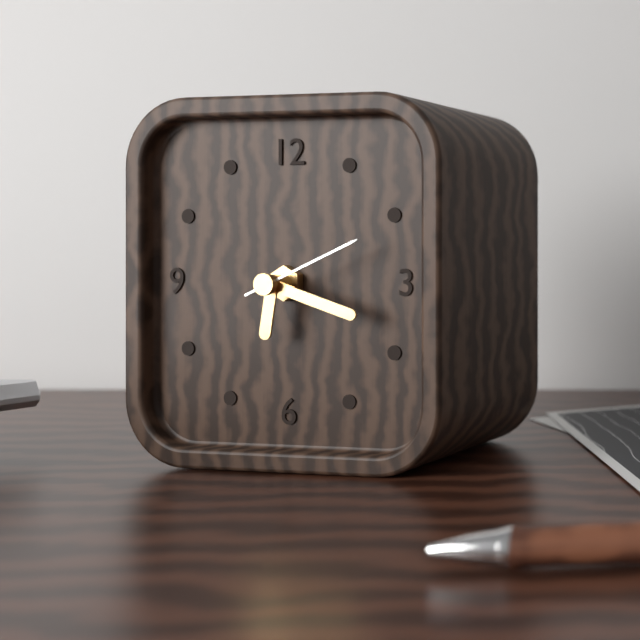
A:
6h18m11s
